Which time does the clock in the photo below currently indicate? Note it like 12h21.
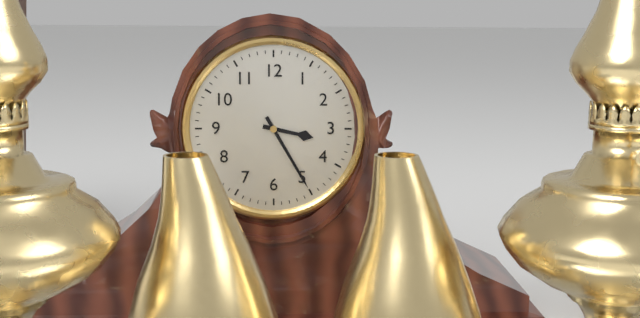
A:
3h25
